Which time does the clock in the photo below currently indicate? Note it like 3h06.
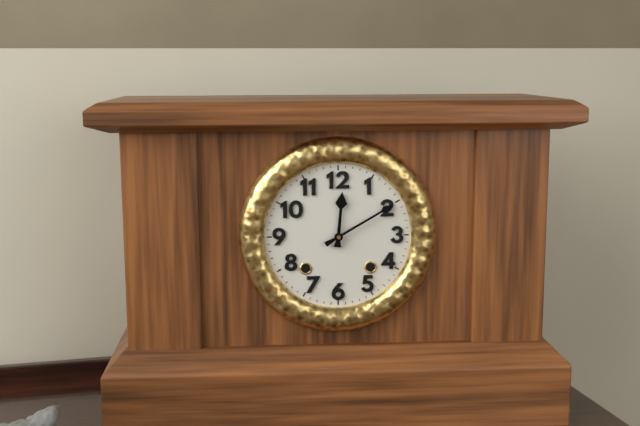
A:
12h10
